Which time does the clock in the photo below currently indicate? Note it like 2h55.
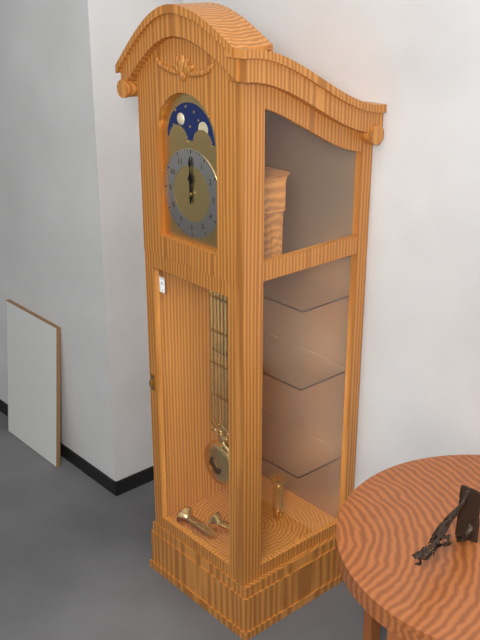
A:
12h00
